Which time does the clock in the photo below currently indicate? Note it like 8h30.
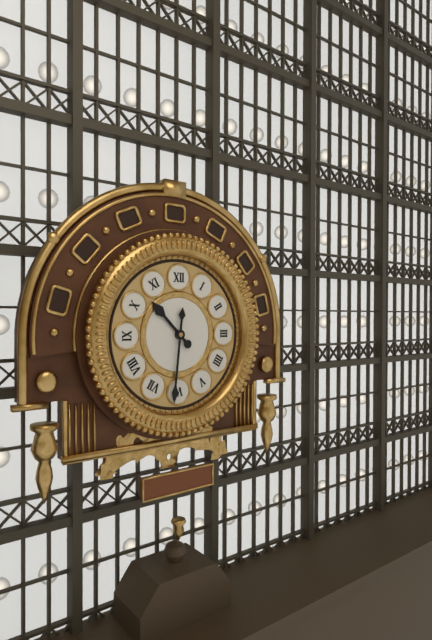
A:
10h31
